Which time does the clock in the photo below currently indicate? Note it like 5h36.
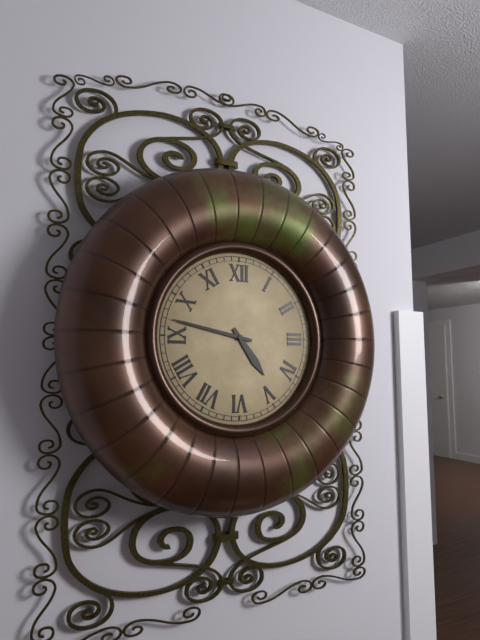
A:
4h47
